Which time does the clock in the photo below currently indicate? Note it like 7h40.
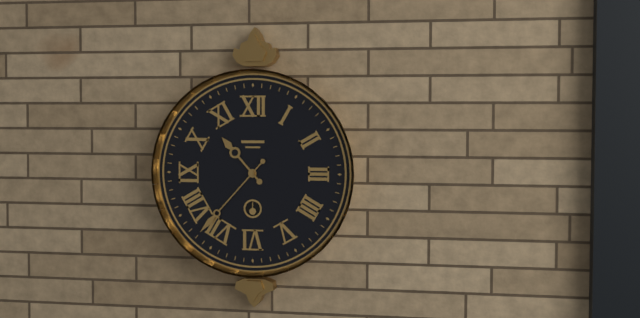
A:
10h37
